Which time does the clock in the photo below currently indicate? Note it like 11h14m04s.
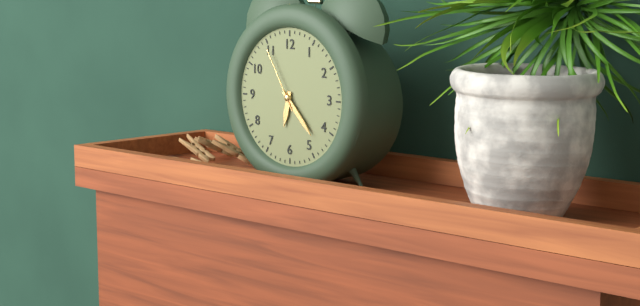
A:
6h23m55s
